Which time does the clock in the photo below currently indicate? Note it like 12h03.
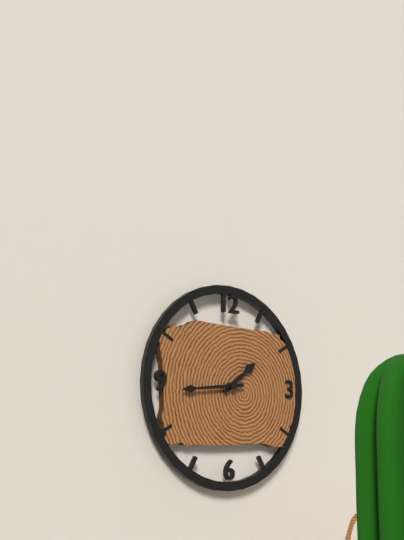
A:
1h44
